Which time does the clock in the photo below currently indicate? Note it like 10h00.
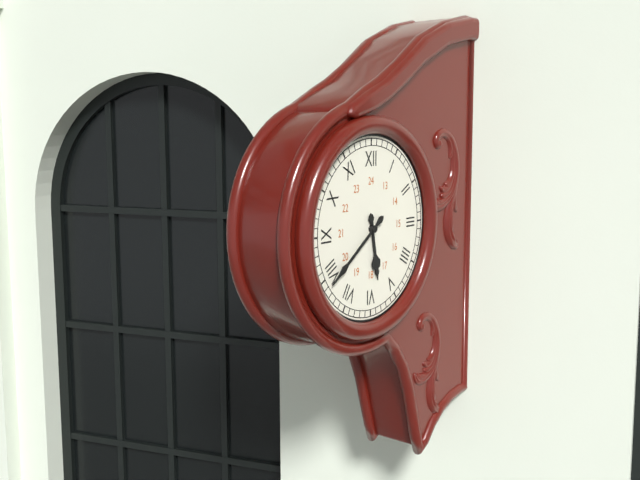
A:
5h39
